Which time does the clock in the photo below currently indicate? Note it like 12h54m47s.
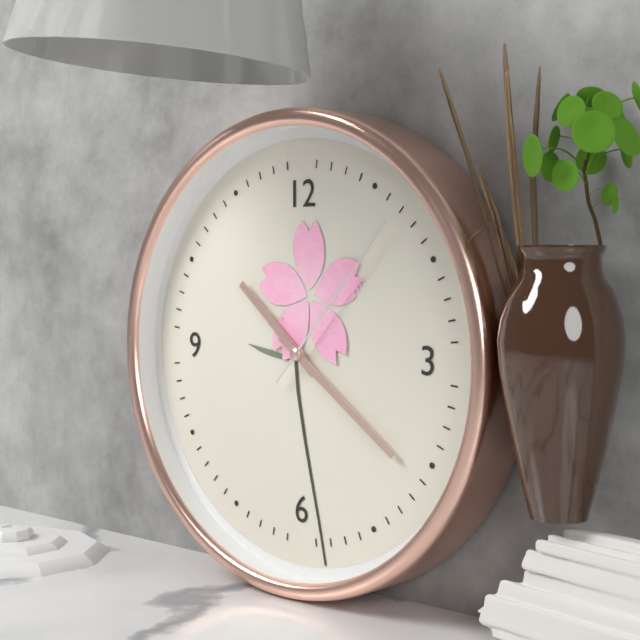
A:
10h21m07s
